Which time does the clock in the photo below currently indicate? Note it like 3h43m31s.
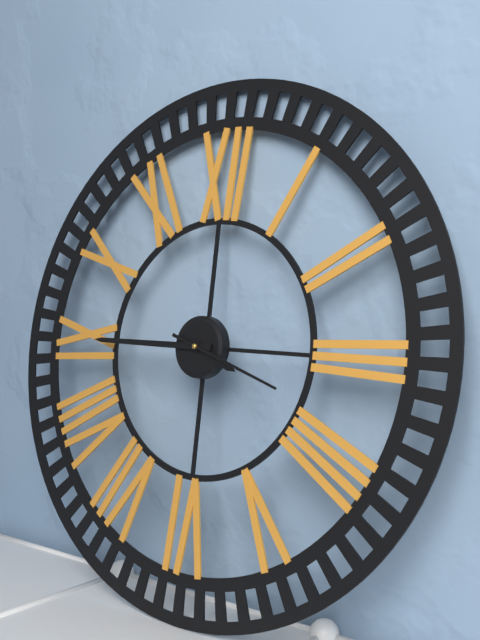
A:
3h45m18s
